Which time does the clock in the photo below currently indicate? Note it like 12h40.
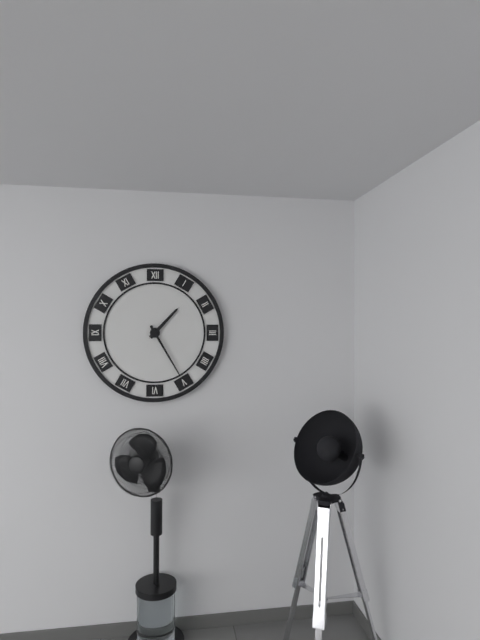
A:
1h25
